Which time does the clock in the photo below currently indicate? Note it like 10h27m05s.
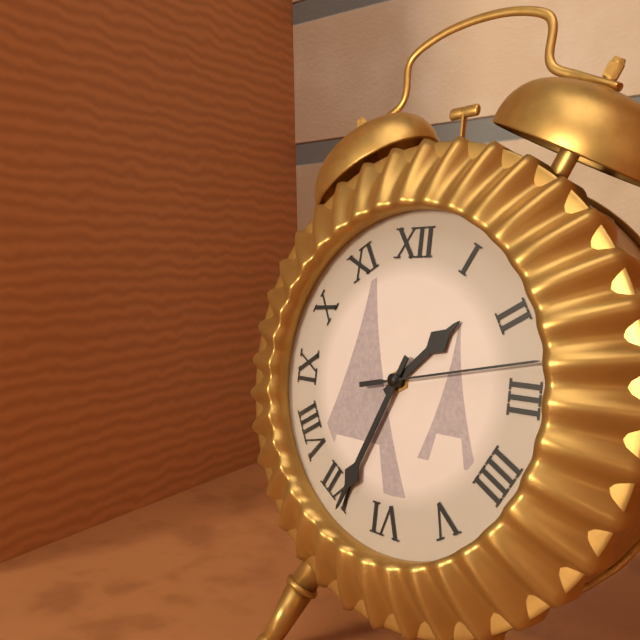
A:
1h34m13s
